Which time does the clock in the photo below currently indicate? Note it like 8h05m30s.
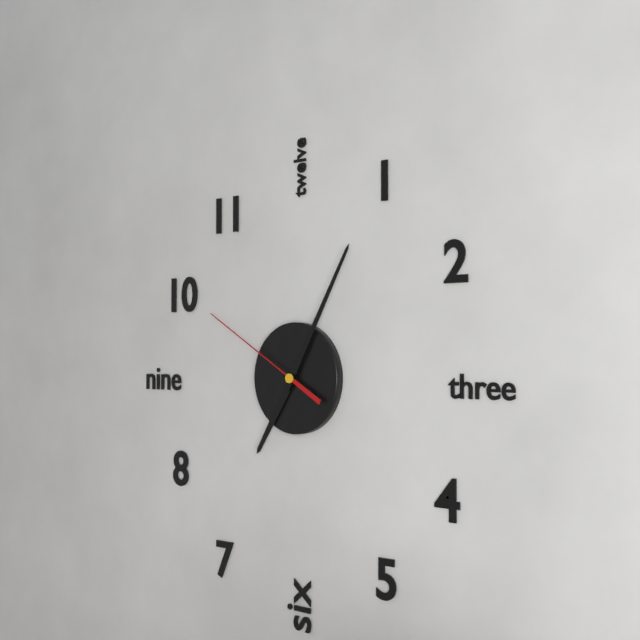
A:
7h05m50s
